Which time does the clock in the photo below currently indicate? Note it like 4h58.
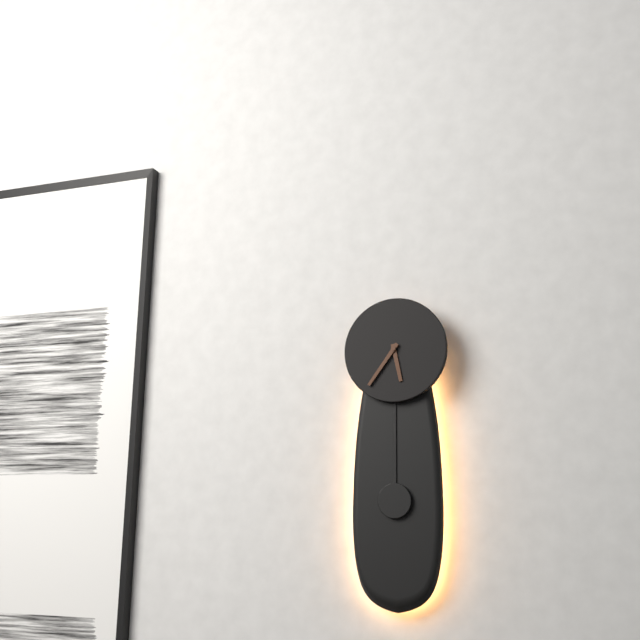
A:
5h36
